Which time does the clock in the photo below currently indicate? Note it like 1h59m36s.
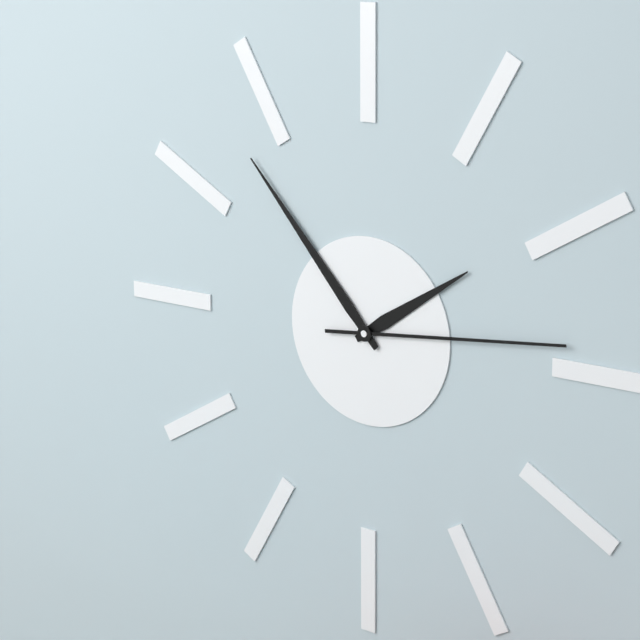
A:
1h53m14s
